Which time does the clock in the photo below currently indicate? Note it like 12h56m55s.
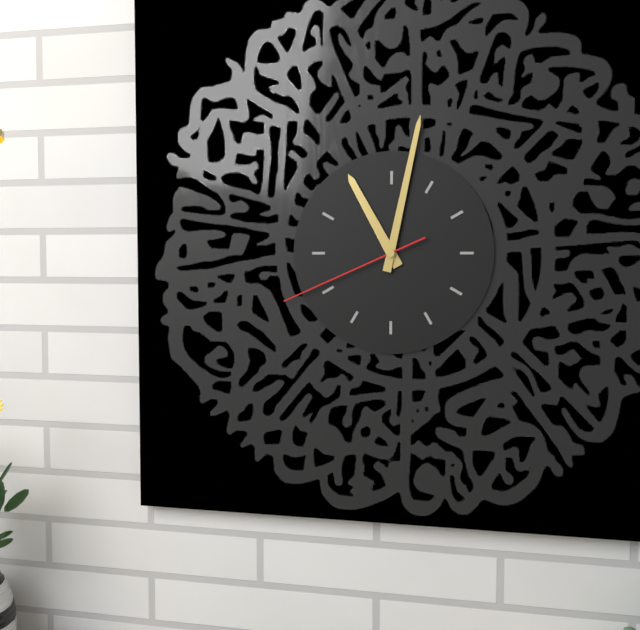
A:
11h02m41s
